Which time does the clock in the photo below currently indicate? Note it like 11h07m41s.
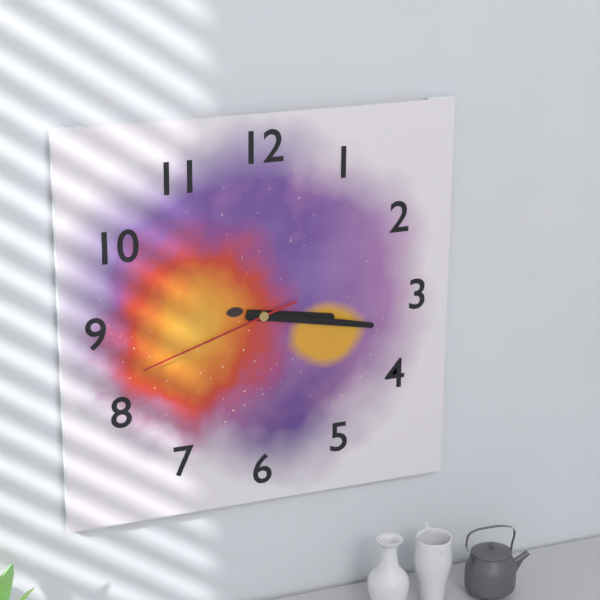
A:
3h17m42s
